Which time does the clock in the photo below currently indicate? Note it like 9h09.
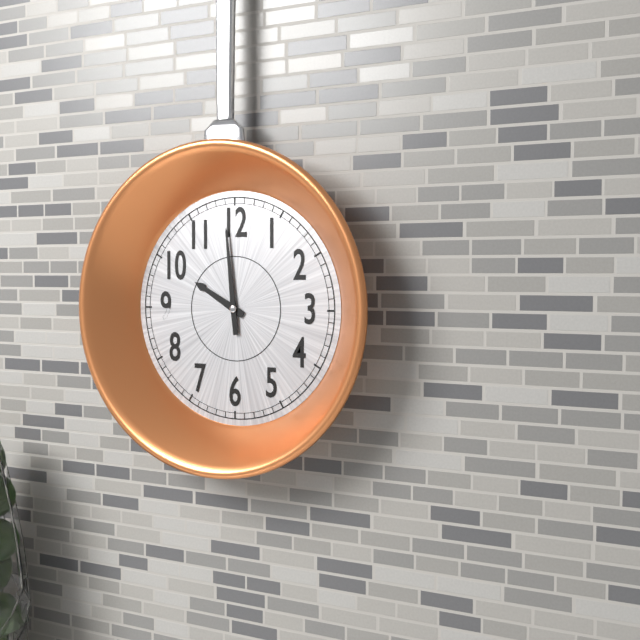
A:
9h59
